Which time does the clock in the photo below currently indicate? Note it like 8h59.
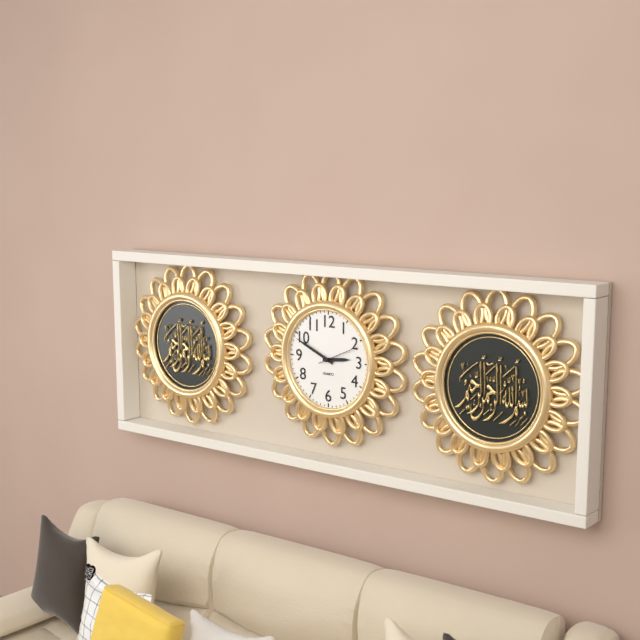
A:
2h49
